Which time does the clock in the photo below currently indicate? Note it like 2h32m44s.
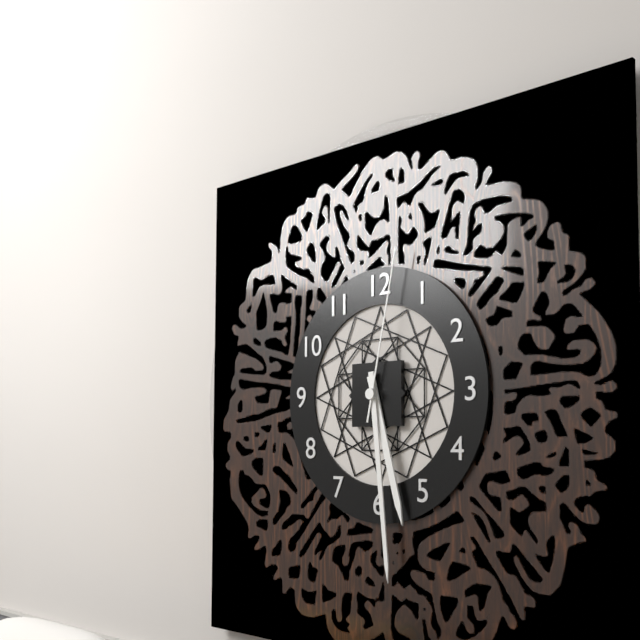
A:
5h29m02s
